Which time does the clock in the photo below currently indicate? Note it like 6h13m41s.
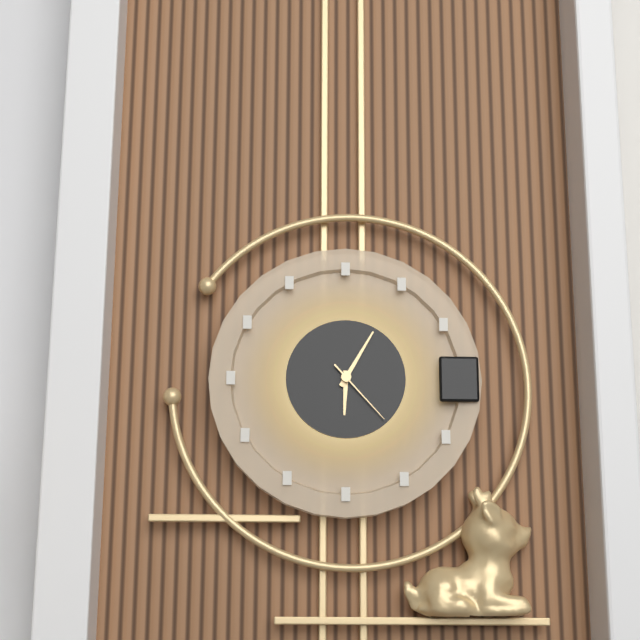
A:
6h05m23s
